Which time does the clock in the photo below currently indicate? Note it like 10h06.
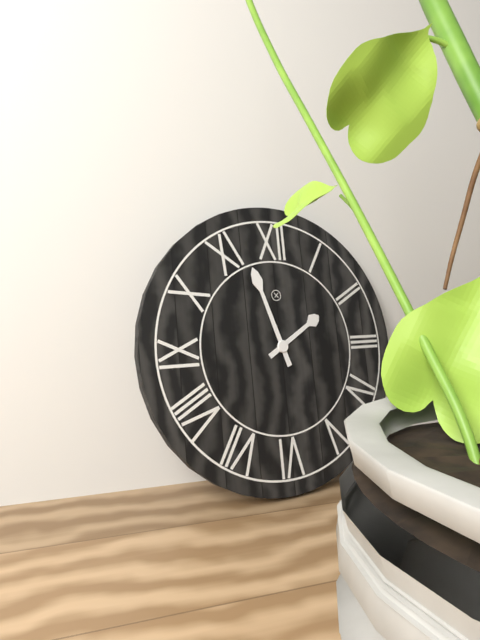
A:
1h57
